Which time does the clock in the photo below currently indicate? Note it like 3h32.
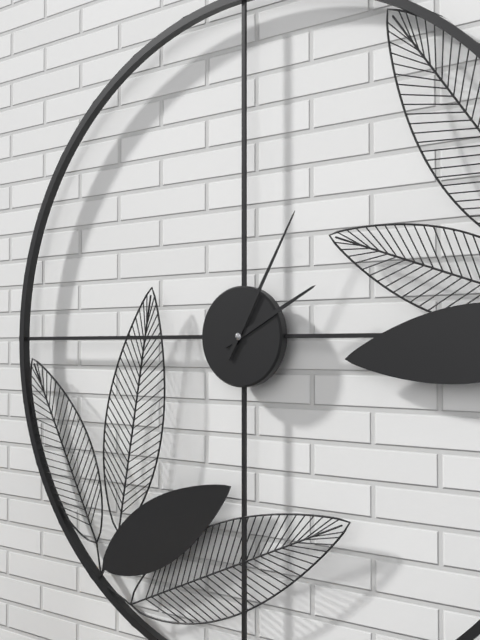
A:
2h05
